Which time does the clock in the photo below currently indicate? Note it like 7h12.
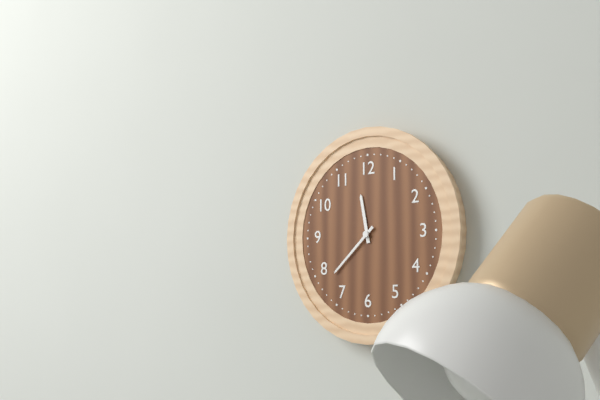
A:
11h38
